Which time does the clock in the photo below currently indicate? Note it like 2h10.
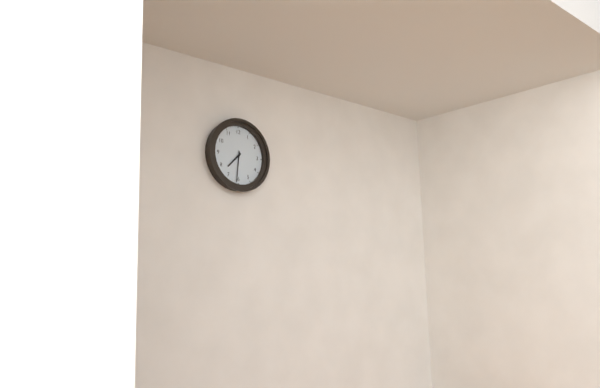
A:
7h31
